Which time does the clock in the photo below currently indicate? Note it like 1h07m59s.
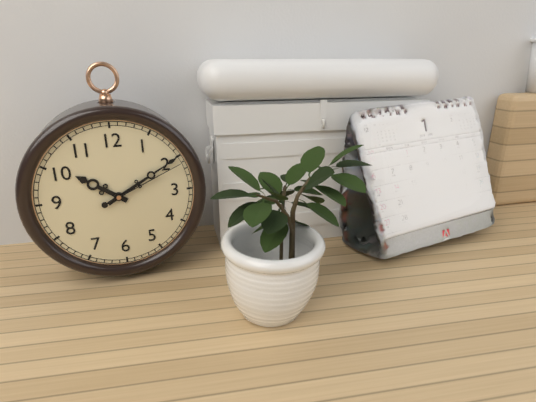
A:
10h10m11s
